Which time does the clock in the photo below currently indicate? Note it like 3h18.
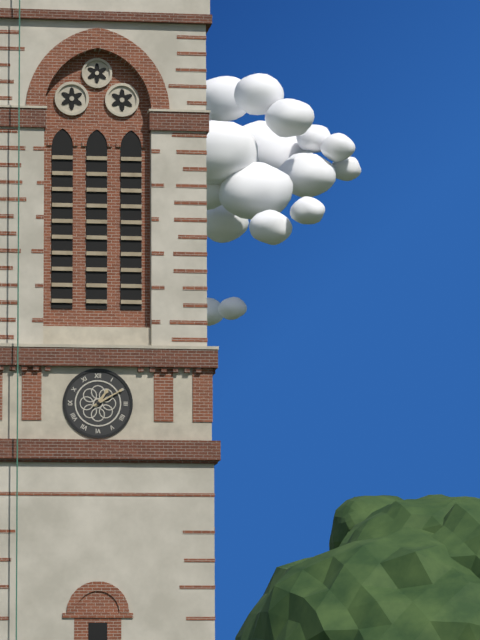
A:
1h10
